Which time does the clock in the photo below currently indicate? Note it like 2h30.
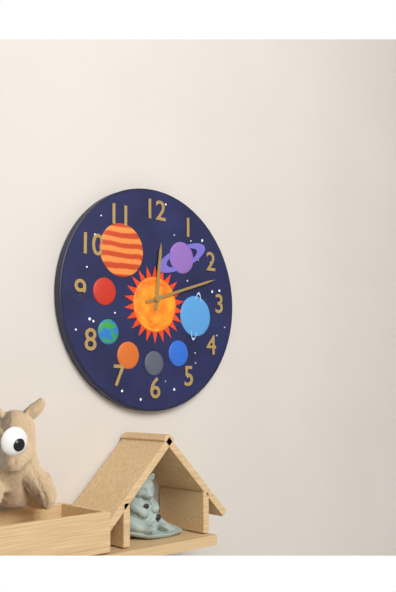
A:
12h12
